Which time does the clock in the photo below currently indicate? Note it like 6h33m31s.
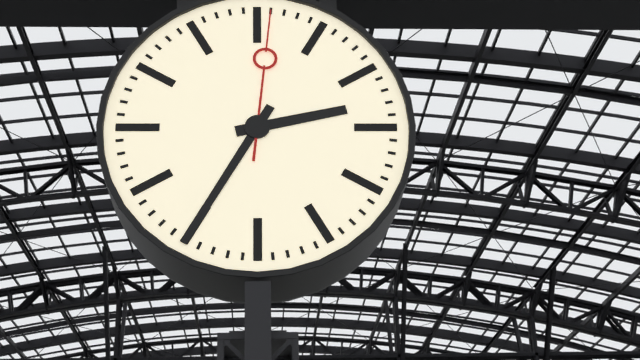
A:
2h35m01s
